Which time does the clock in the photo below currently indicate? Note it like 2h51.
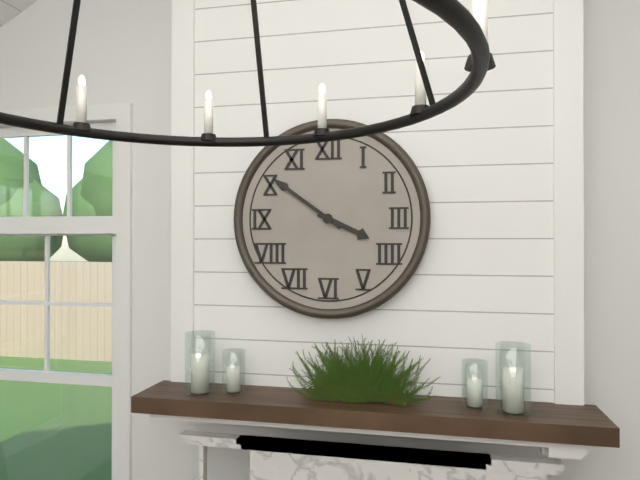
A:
3h51
